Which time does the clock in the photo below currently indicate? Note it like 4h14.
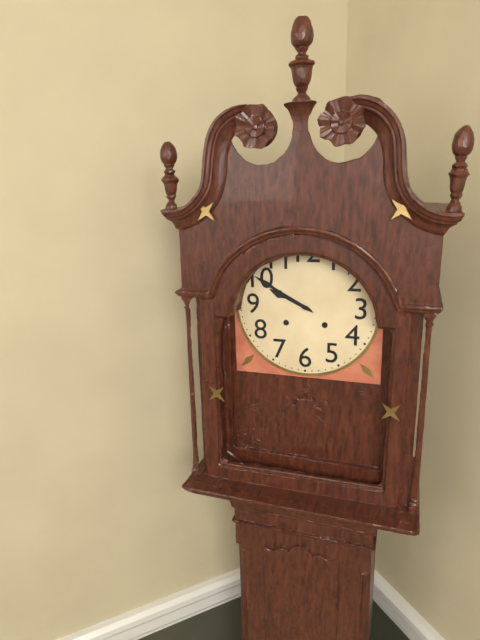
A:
9h50
